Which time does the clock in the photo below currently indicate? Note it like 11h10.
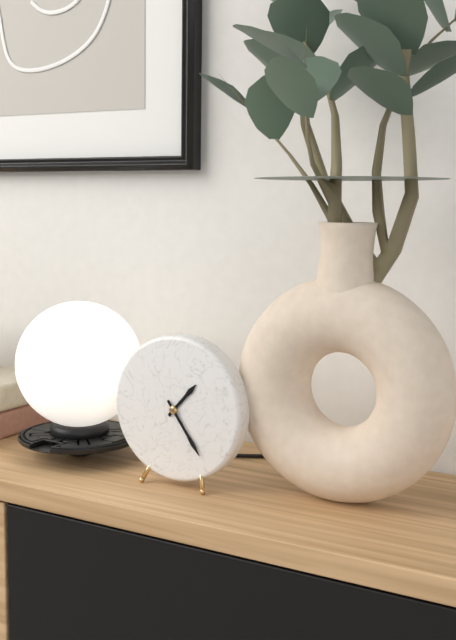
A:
1h24
